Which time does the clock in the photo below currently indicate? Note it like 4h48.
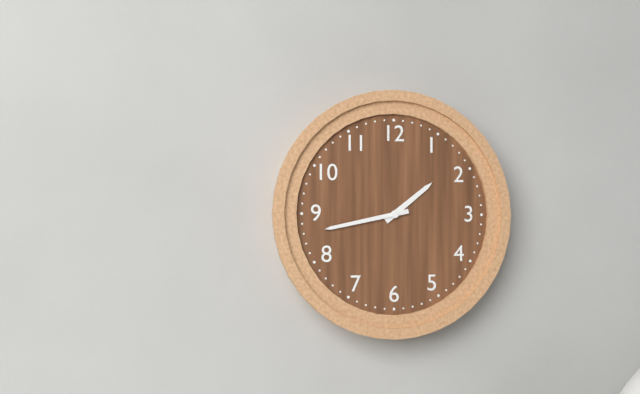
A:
1h43
